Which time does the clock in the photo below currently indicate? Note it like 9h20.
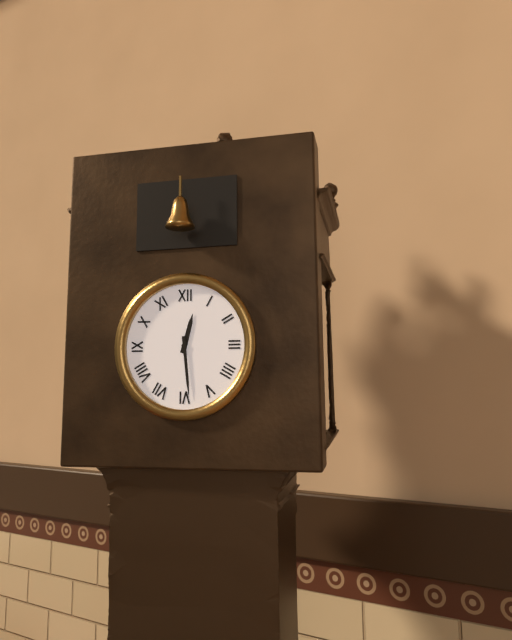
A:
12h29
